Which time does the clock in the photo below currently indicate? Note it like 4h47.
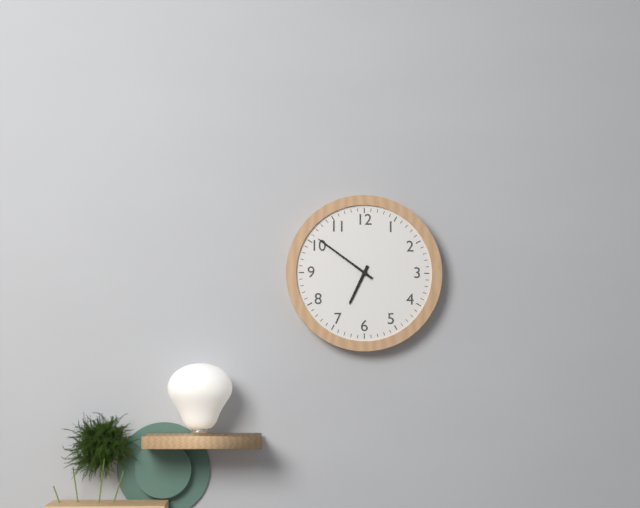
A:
6h51
